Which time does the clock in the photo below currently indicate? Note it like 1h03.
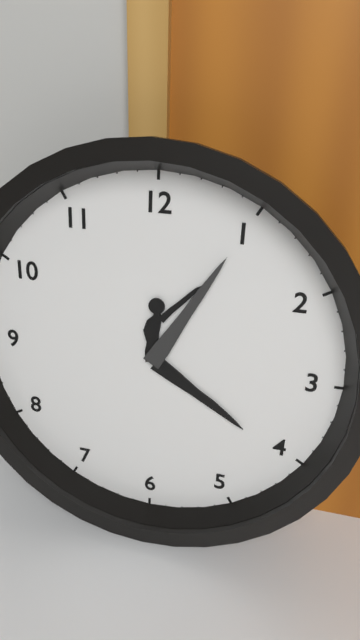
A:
4h05
